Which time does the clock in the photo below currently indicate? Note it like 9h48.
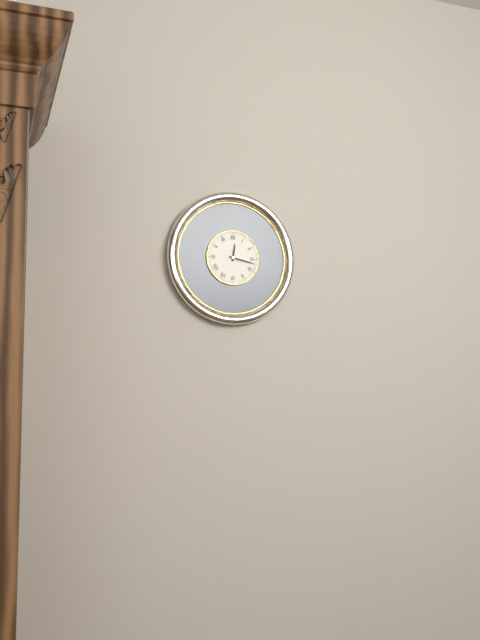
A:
12h17
